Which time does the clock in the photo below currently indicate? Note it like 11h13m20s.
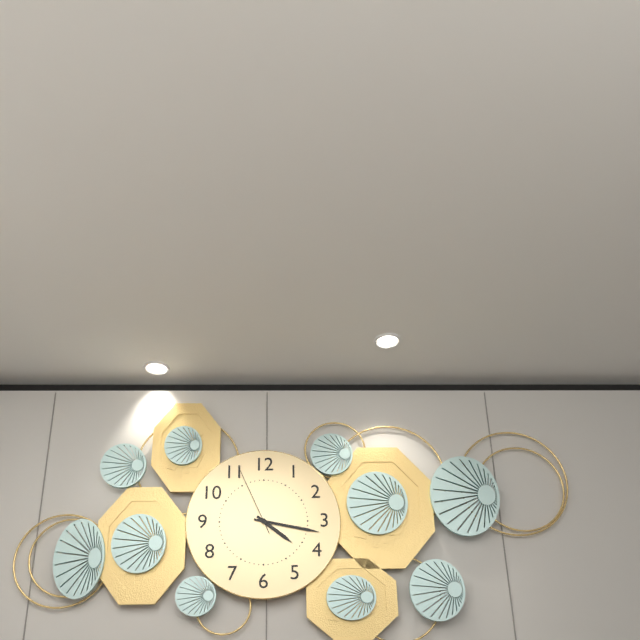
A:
4h17m56s
